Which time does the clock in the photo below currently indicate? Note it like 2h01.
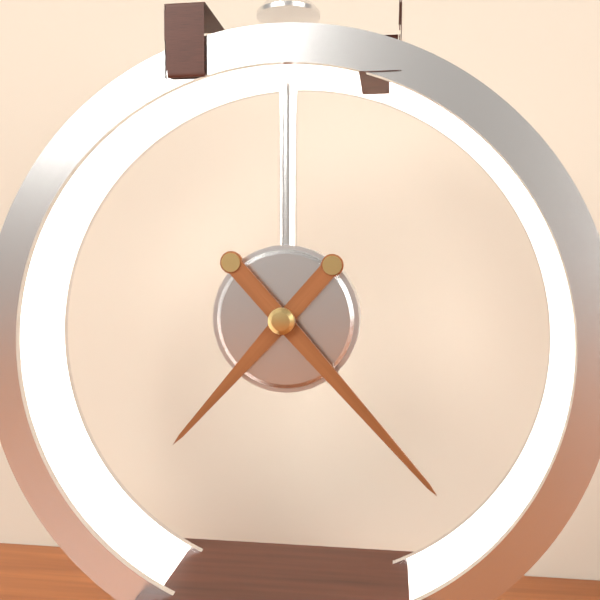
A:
7h23
